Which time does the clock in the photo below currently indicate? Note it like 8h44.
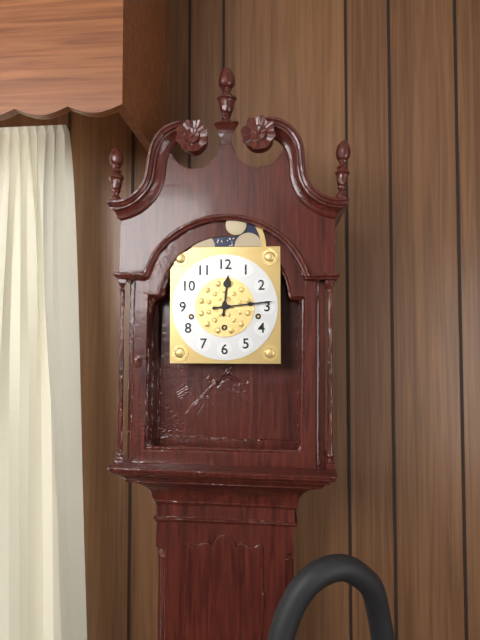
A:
12h14
